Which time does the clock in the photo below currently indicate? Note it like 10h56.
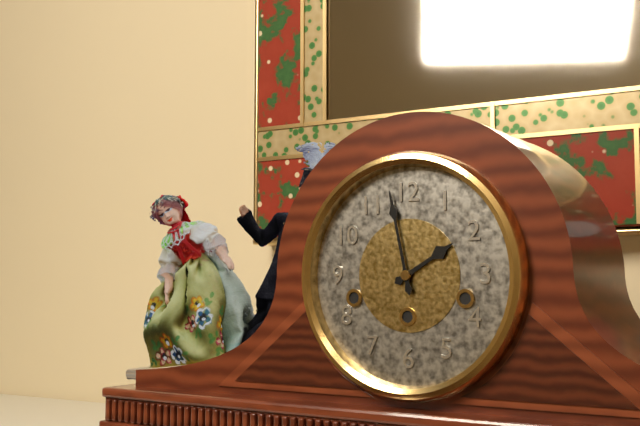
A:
1h58
